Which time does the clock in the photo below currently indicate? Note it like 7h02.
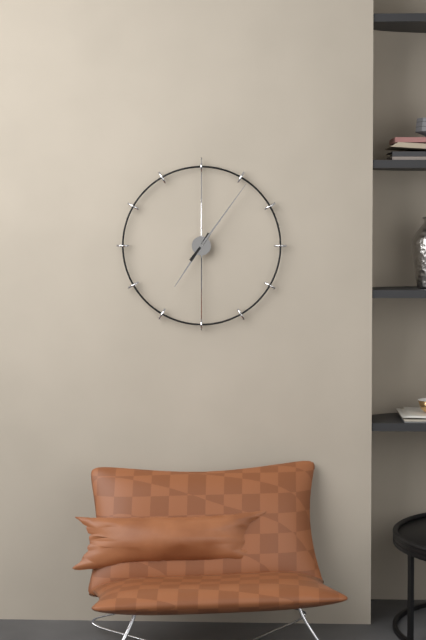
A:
7h06
